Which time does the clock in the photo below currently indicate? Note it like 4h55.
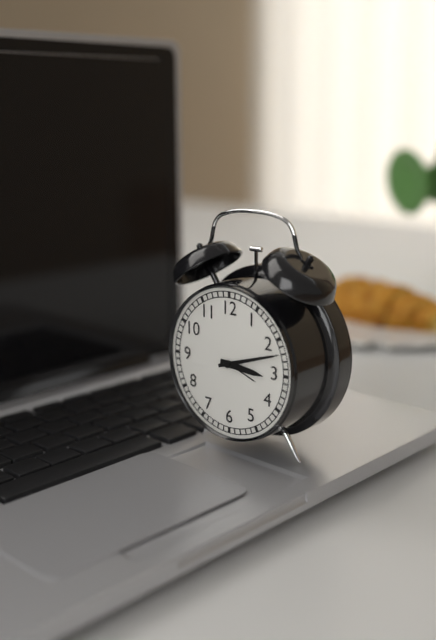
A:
3h12
